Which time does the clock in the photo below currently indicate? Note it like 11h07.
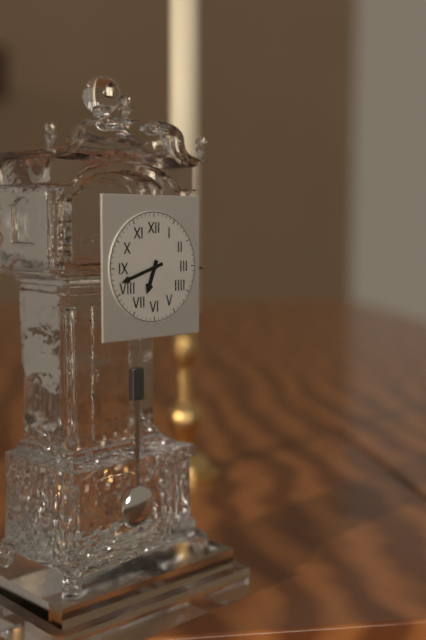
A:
6h42
